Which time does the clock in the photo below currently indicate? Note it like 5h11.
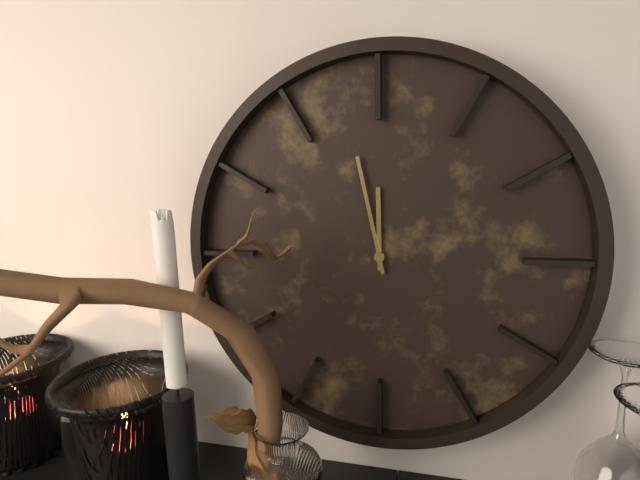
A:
11h58
